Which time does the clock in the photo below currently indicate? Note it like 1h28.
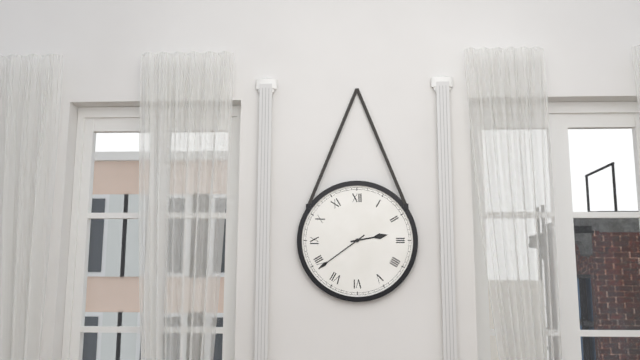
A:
2h39
